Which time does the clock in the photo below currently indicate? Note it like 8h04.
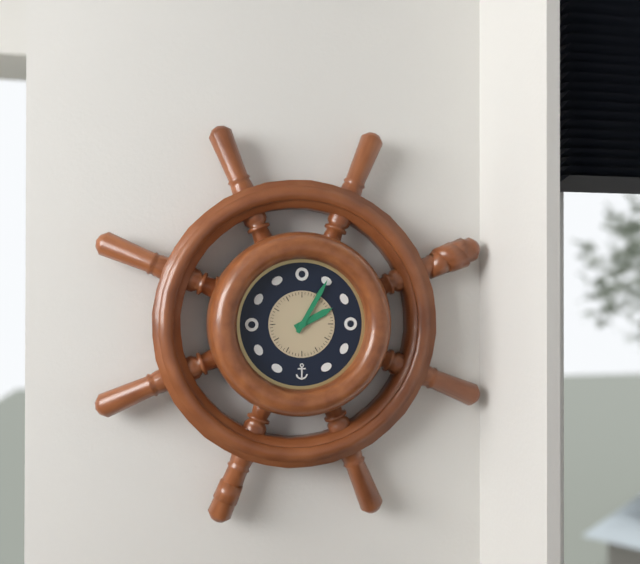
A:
2h05
